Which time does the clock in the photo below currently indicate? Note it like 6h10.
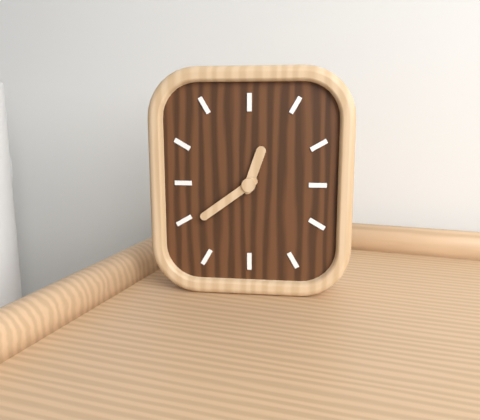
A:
12h39
